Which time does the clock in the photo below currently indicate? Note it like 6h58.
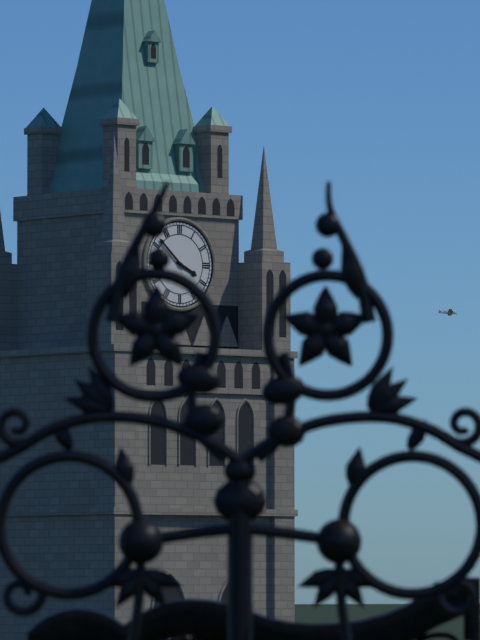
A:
3h52
